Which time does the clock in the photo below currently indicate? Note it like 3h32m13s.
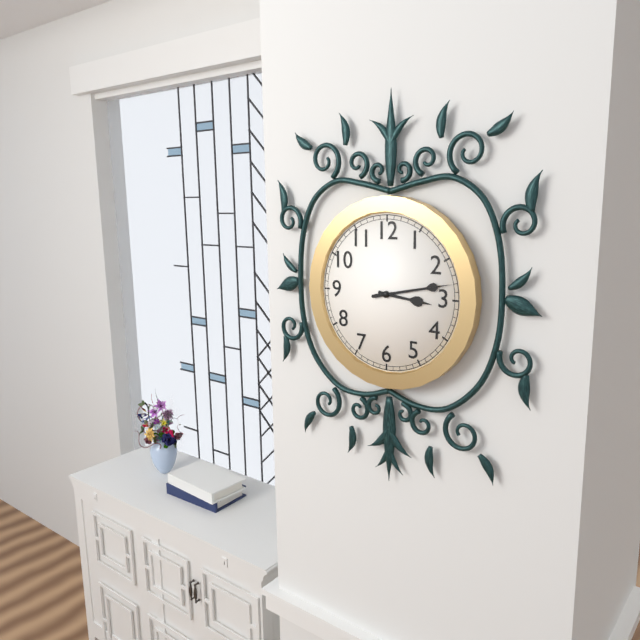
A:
3h13m13s
